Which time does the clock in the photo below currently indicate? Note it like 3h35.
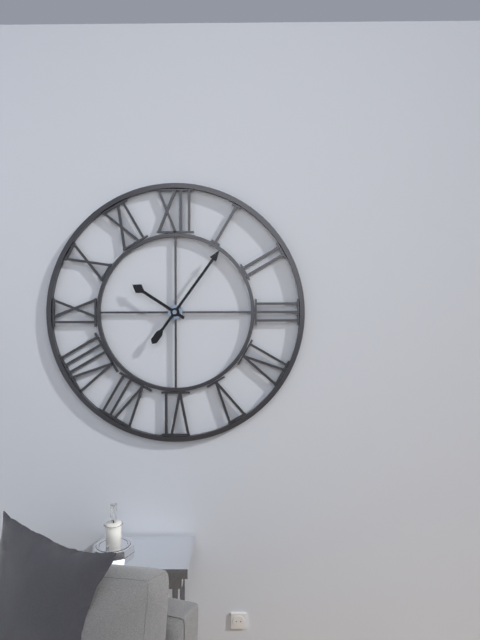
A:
10h06
